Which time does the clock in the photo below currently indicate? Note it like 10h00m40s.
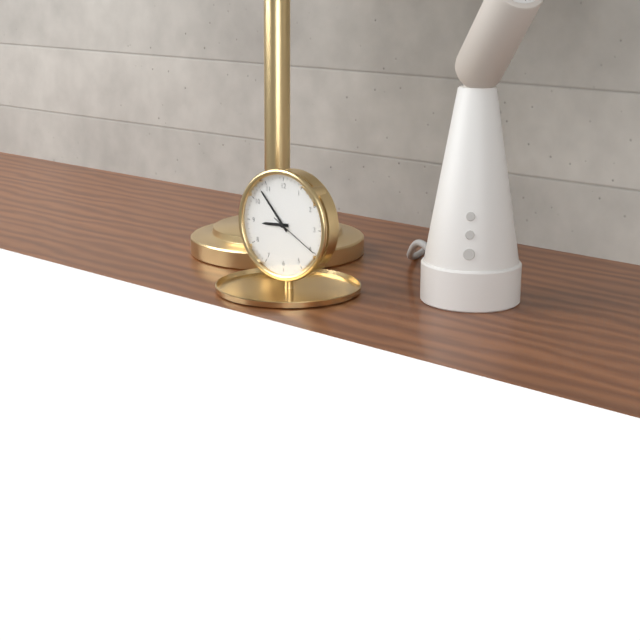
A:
8h53m20s
